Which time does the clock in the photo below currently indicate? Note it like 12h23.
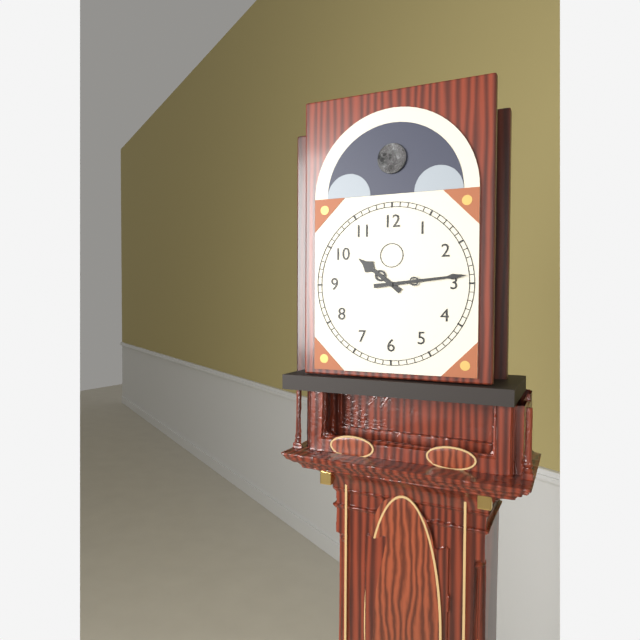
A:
10h14
